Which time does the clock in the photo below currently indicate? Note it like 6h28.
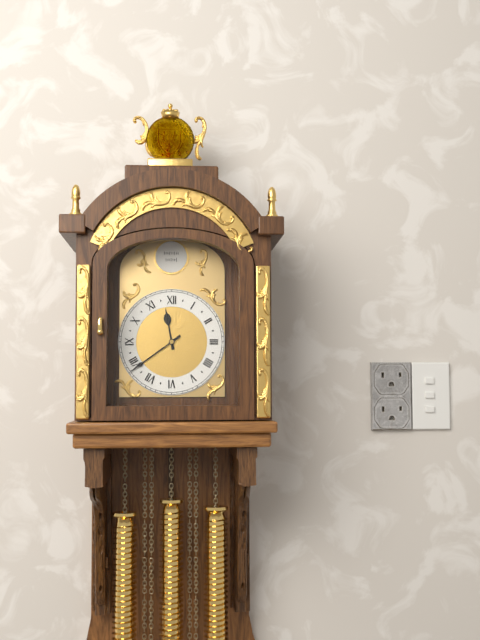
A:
11h39
